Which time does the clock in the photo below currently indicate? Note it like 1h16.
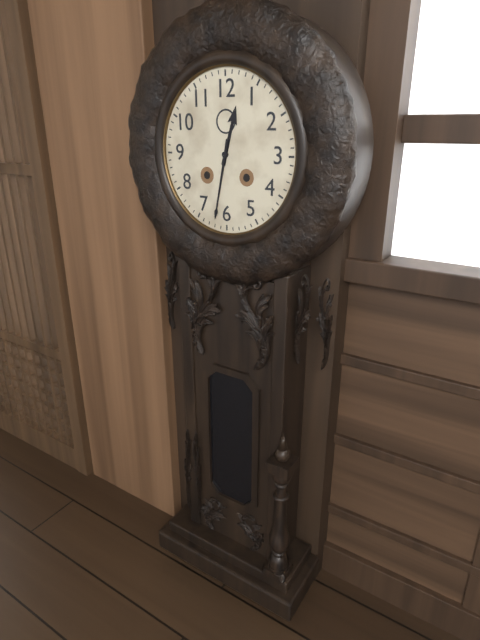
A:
12h32
